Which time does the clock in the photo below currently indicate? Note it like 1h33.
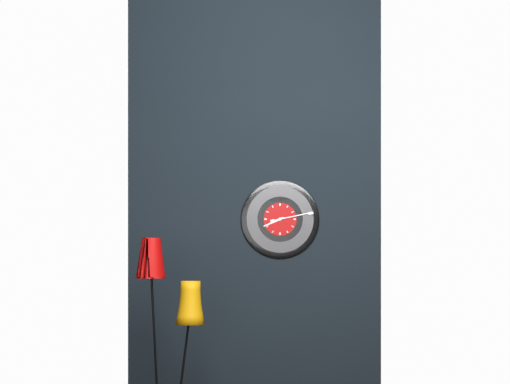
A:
8h13
